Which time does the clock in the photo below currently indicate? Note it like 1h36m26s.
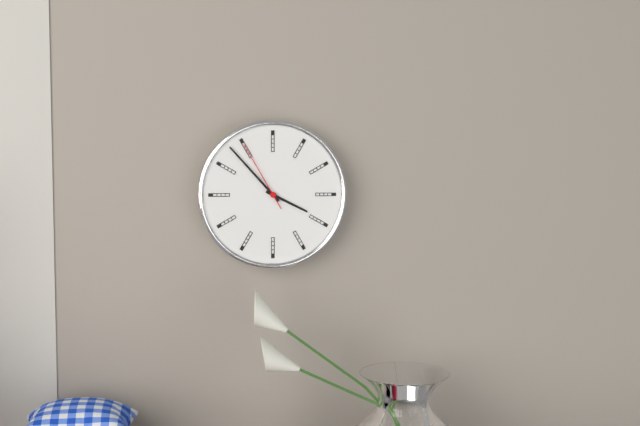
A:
3h53m55s
